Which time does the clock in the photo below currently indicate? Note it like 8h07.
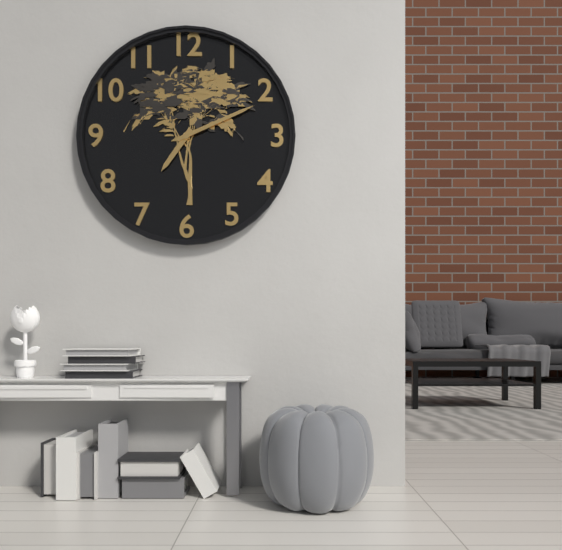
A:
7h11
